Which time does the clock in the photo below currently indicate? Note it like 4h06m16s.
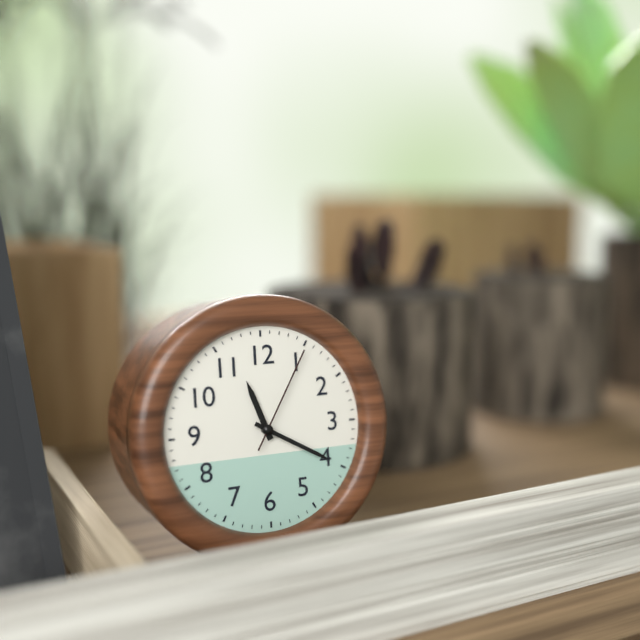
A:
11h20m05s
